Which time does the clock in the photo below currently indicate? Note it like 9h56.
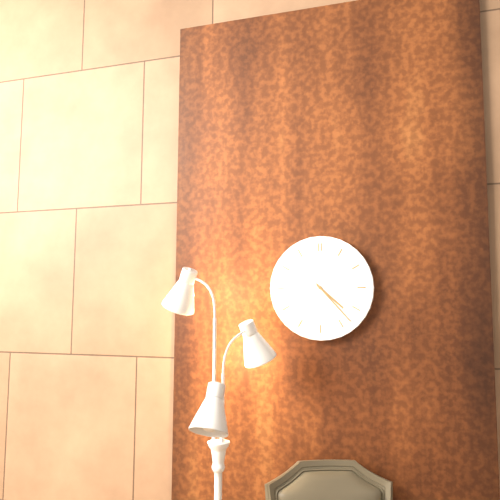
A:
4h23
